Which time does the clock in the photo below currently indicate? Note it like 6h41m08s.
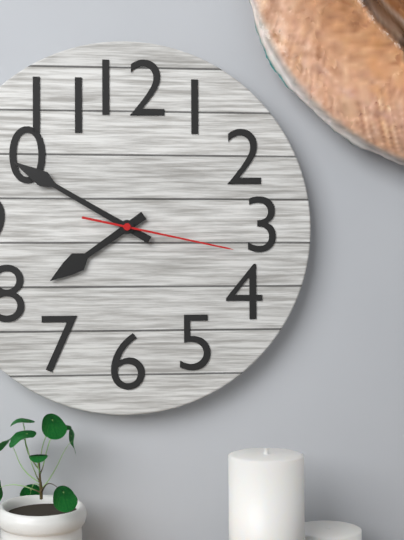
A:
7h50m17s
